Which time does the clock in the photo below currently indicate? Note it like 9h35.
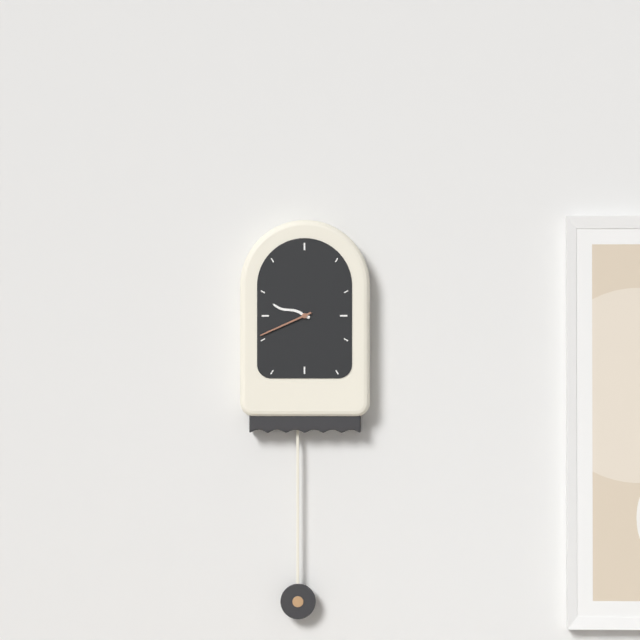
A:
9h41
